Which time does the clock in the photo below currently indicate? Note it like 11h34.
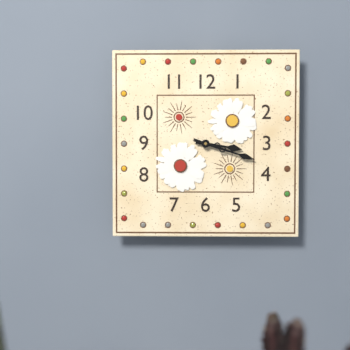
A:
3h18
